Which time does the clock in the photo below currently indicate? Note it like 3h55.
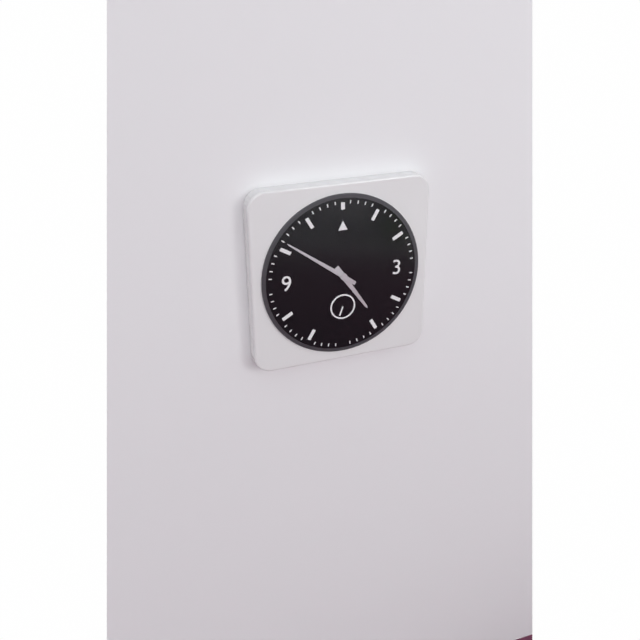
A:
4h51
